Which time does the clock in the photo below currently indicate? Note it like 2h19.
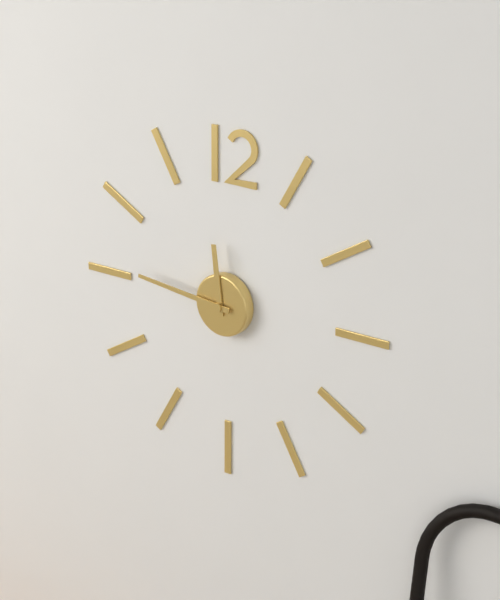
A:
11h46
